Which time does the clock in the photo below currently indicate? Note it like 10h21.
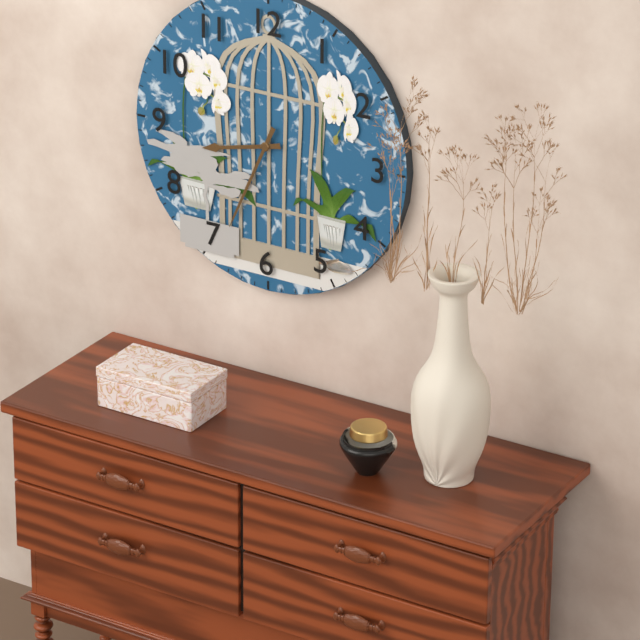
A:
8h34
